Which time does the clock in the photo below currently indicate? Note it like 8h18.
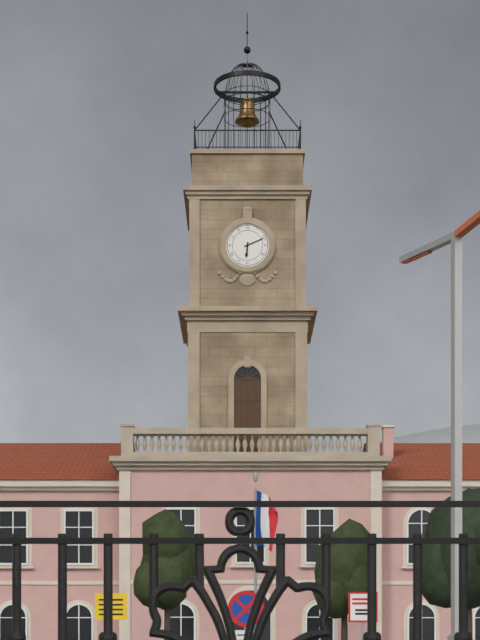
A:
6h11
